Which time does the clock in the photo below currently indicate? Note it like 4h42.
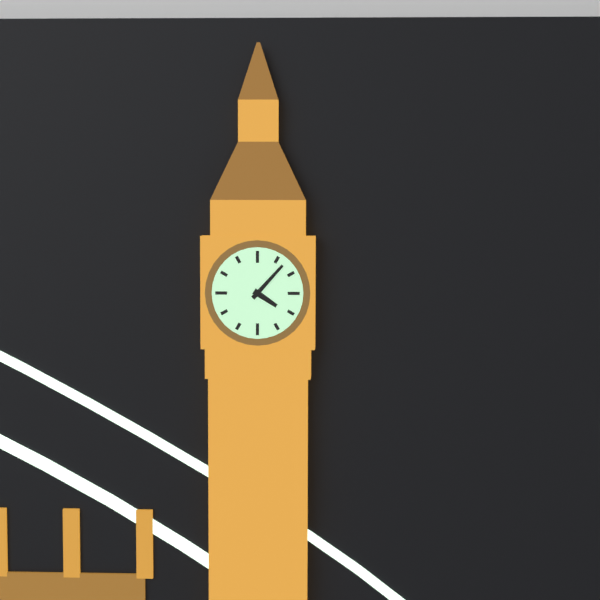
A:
4h07
